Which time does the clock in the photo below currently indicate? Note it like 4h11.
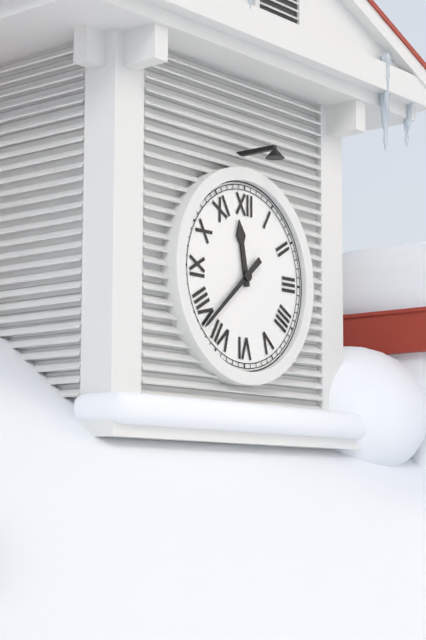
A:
11h38
